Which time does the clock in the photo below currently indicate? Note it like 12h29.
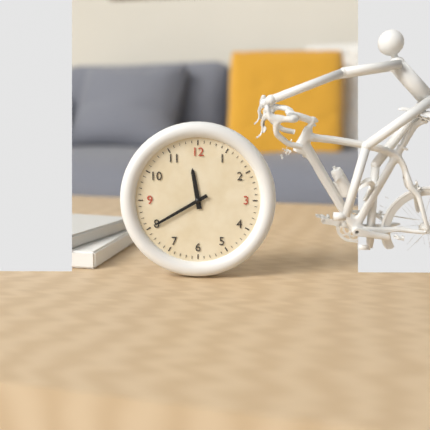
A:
11h40
